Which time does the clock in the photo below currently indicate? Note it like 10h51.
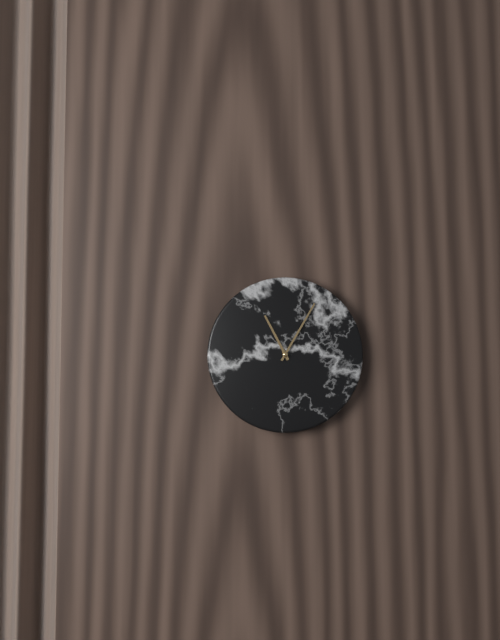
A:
11h05
